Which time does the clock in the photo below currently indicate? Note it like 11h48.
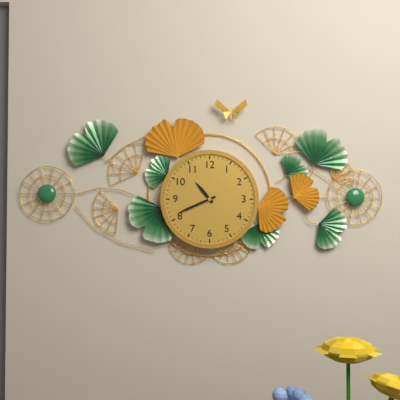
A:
10h41
